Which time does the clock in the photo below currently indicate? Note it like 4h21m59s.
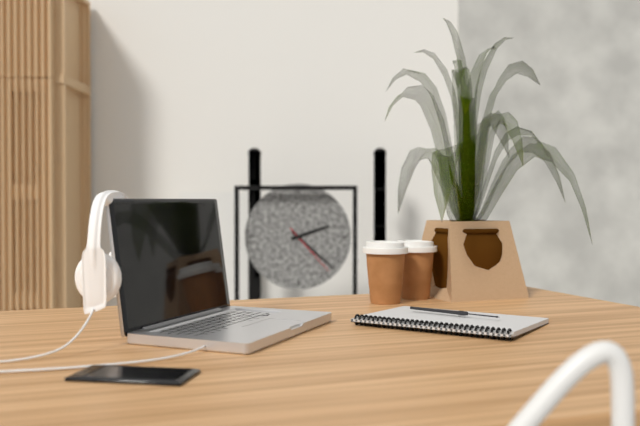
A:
2h22m23s
